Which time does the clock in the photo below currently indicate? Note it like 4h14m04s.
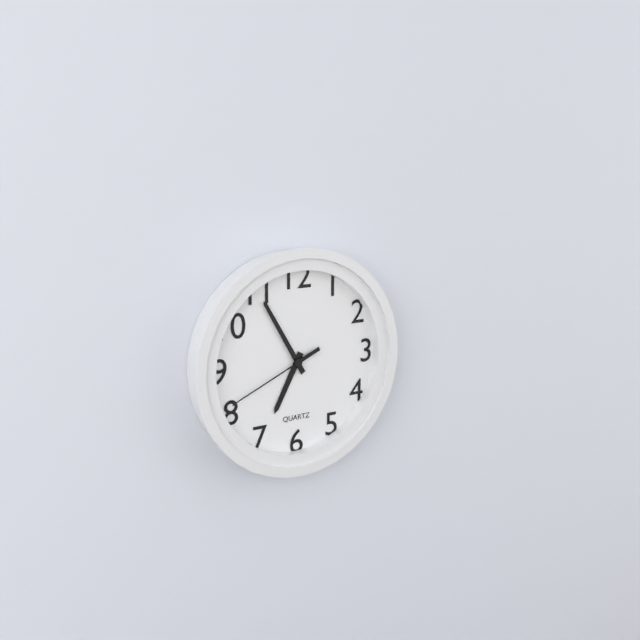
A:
6h55m41s
